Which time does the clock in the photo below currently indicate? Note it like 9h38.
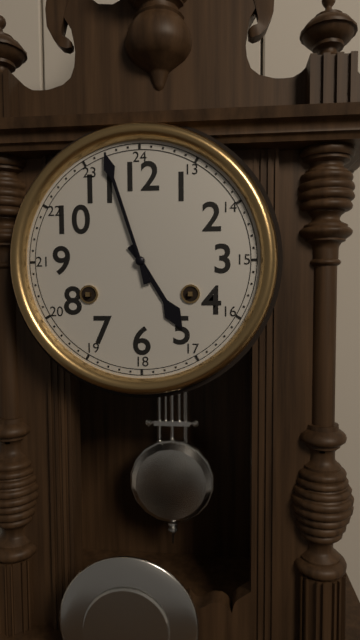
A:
4h57
